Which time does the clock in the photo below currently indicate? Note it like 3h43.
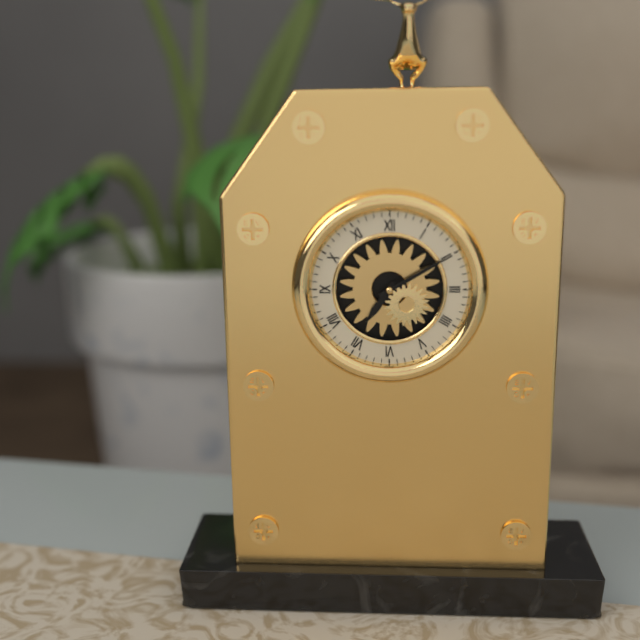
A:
7h10
